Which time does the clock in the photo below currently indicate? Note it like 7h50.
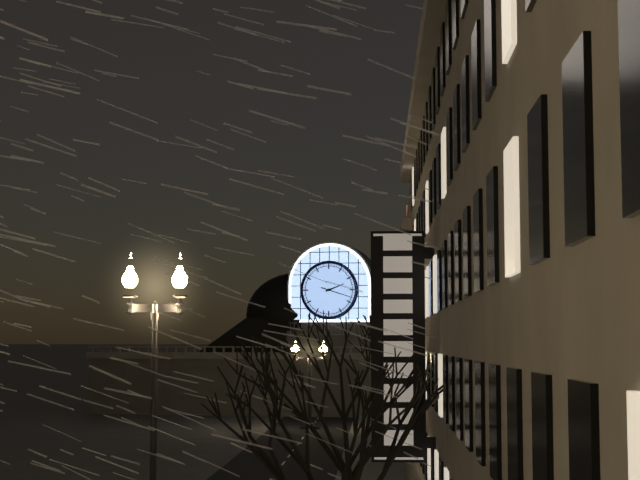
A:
2h18
